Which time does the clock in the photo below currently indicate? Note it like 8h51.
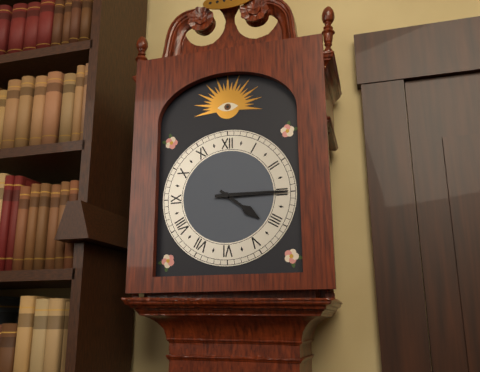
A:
4h15
